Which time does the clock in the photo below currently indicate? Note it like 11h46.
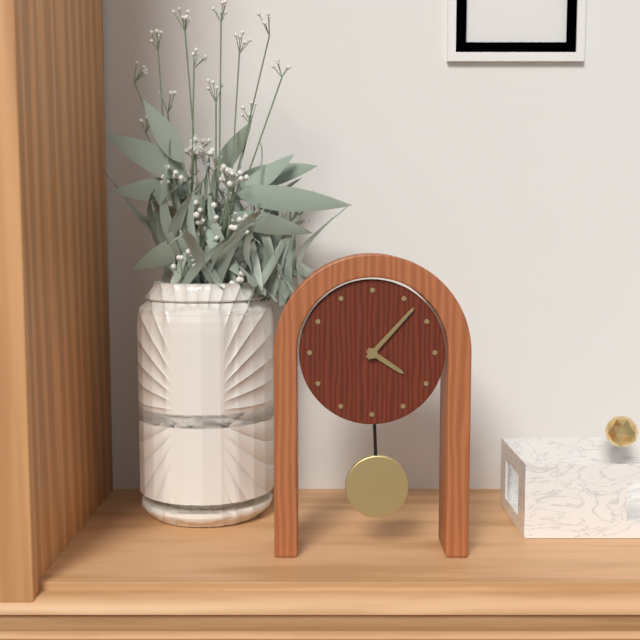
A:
4h07
